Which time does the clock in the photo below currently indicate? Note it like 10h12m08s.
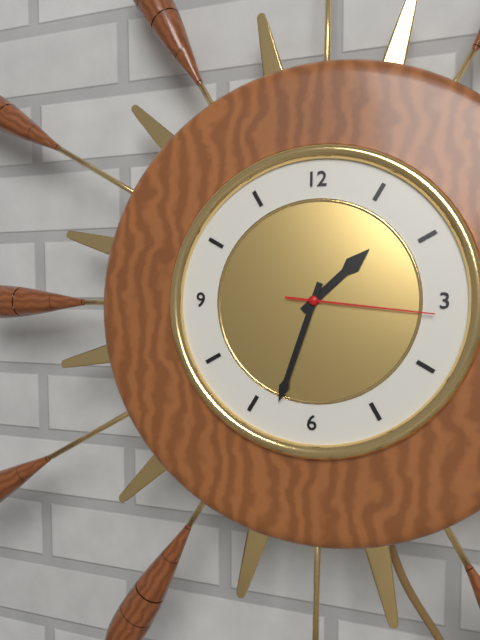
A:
1h33m16s
